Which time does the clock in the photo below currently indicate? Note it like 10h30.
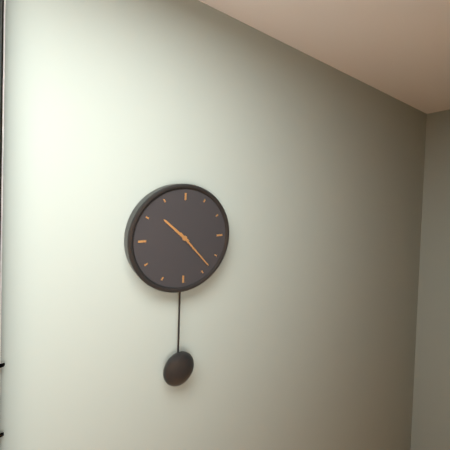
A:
10h23
